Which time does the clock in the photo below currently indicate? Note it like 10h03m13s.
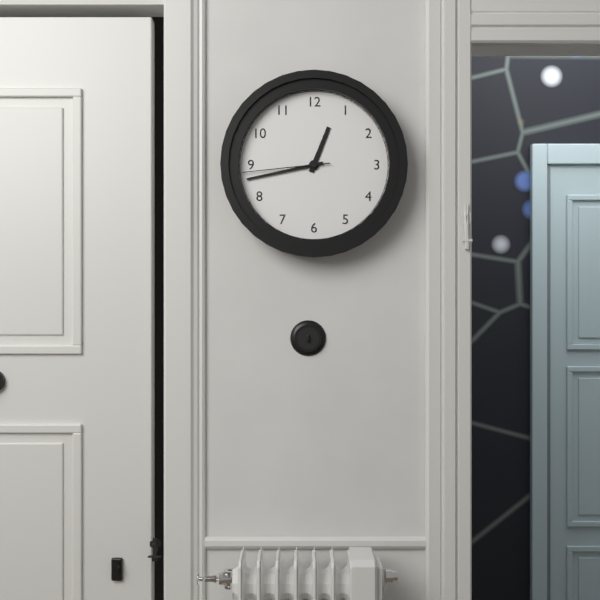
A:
12h43m44s
